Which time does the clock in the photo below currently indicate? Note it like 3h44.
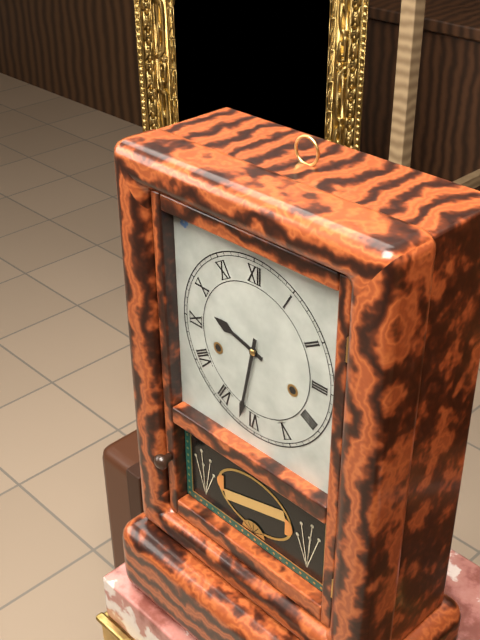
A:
9h32
